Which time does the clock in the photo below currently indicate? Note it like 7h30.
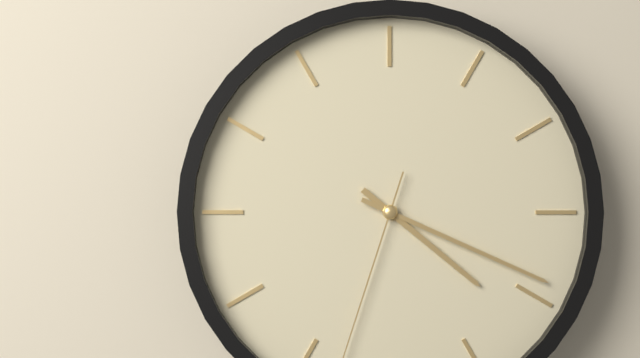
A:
4h19
